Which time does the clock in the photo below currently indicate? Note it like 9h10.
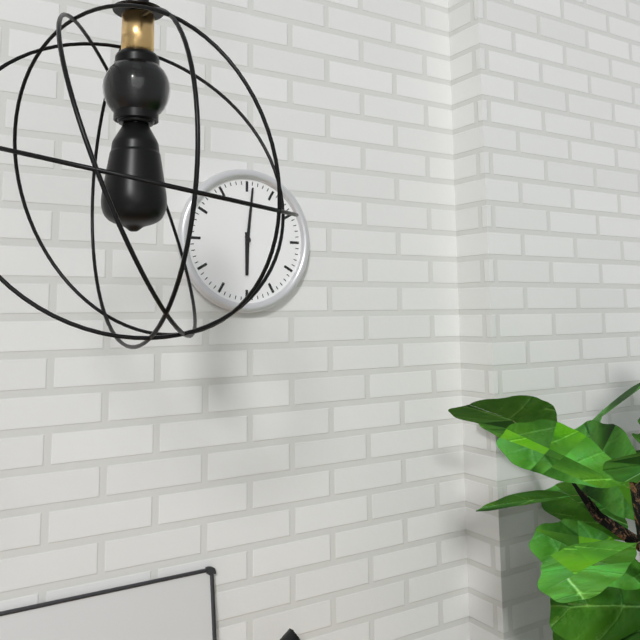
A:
6h01
